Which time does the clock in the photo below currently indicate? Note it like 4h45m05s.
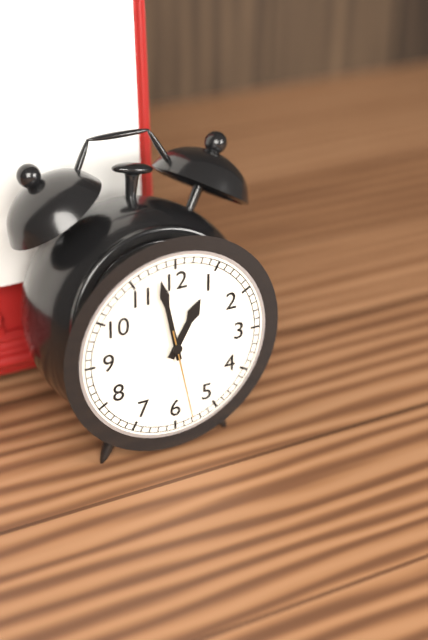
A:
12h58m28s
